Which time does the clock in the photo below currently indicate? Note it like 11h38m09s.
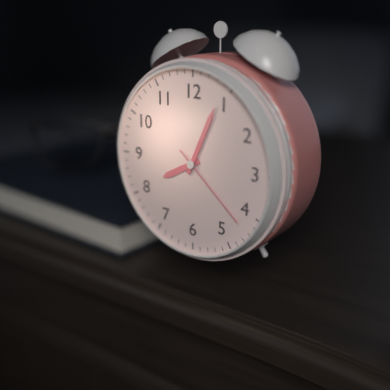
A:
8h04m22s
